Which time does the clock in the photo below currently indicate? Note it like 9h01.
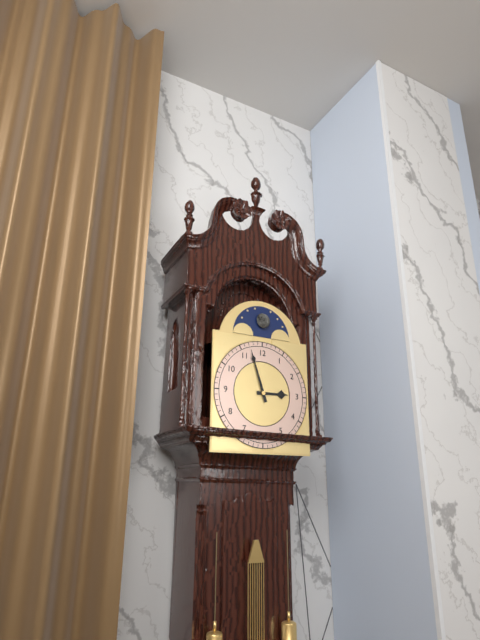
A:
2h57
